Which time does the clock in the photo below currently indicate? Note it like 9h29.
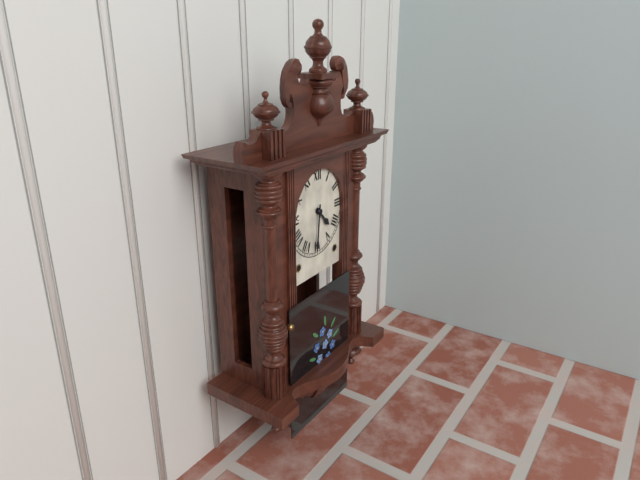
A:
4h31
